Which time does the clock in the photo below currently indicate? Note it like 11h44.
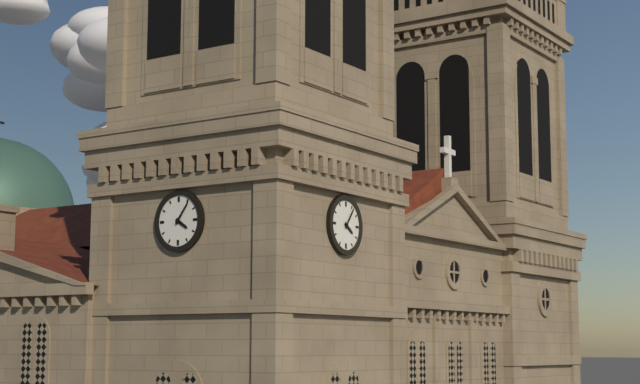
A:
4h06
